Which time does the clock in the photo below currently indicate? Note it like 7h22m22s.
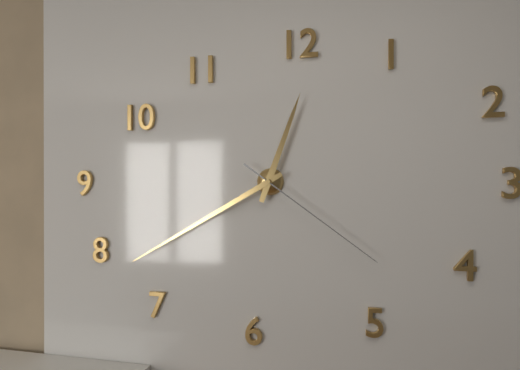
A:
12h40m21s
